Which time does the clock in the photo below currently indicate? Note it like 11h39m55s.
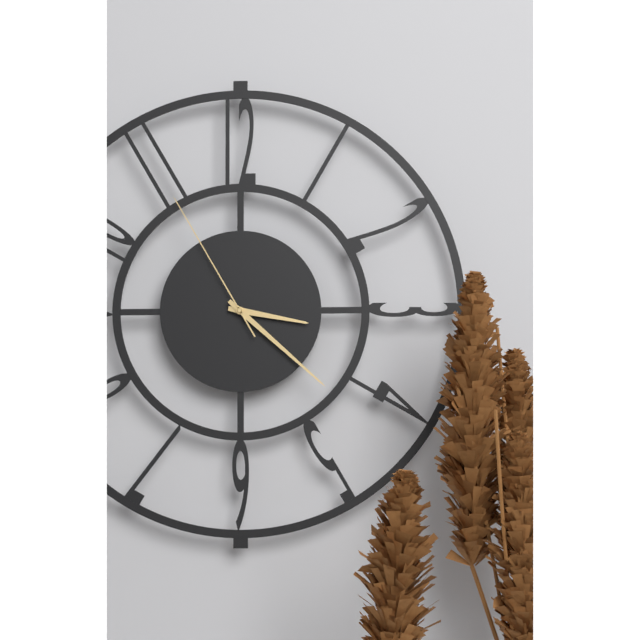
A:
3h22m55s
